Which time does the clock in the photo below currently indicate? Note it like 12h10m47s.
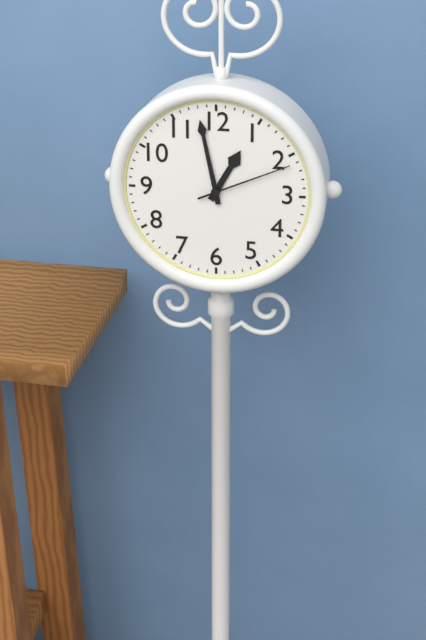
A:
12h58m11s
